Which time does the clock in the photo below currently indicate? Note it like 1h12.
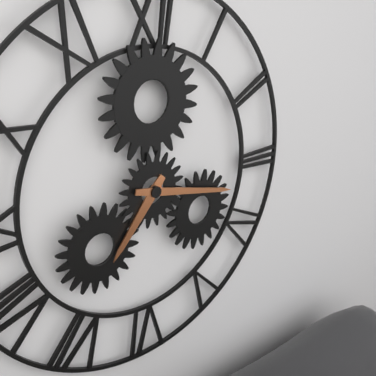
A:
7h17
